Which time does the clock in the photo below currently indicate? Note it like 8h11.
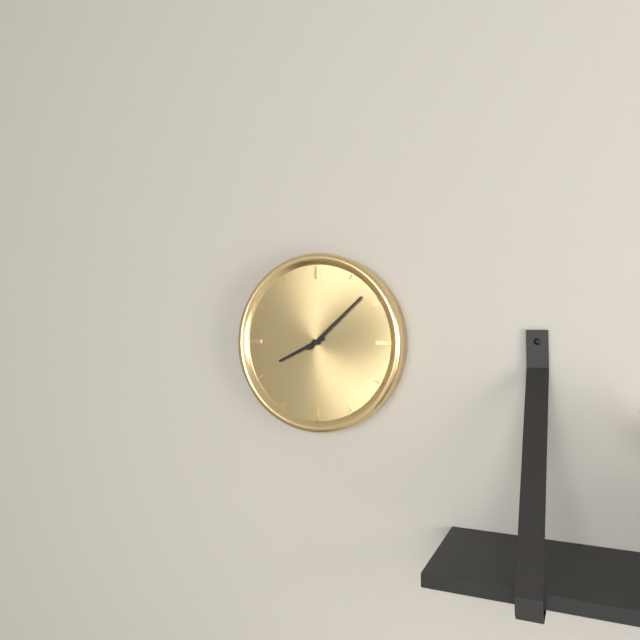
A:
8h08
